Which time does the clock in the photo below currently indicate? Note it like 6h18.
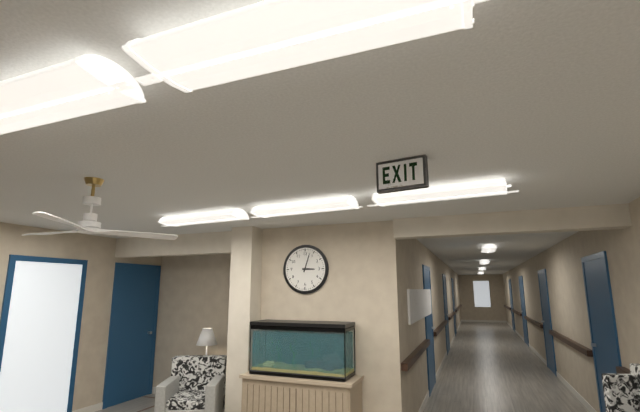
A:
3h03
